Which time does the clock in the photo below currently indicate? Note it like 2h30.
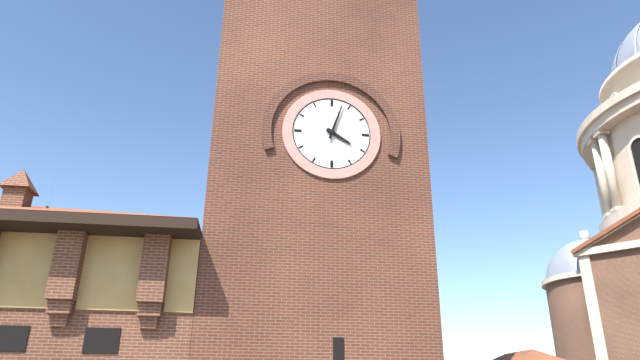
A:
4h03
